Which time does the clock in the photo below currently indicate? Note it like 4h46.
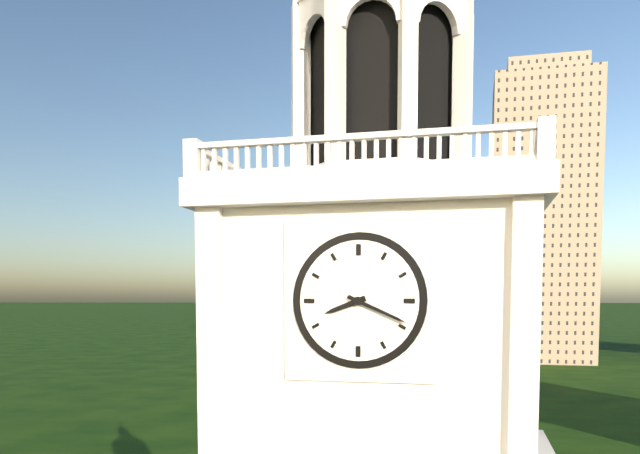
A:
8h19
